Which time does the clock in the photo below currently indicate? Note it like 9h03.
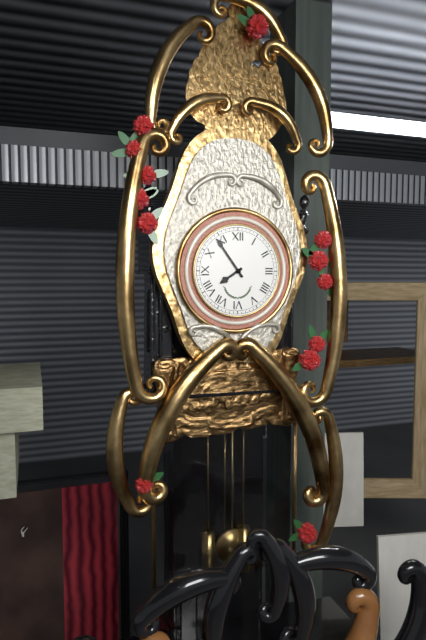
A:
7h54
